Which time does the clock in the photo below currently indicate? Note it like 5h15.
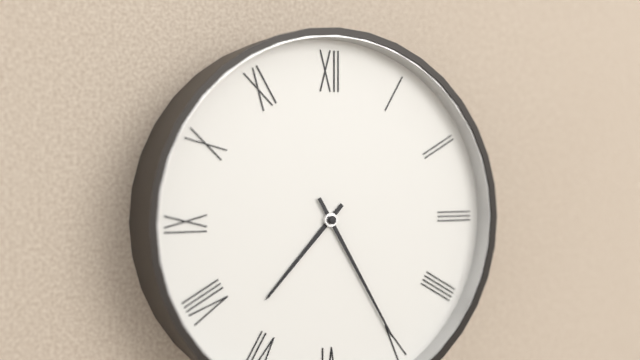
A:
7h25
